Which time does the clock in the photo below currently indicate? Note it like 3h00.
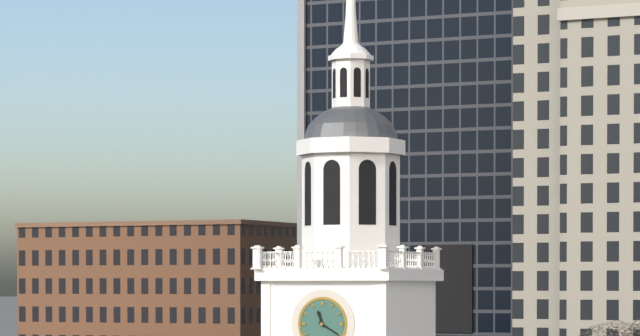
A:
11h20
